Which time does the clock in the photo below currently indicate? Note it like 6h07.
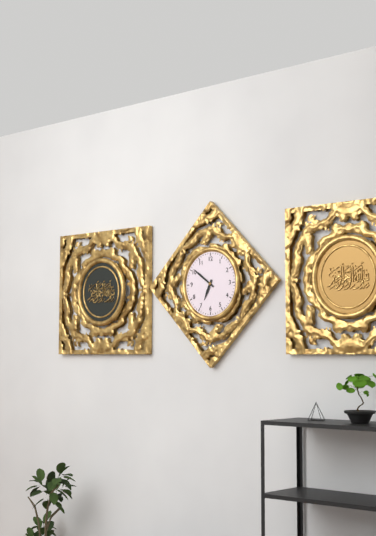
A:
6h51
